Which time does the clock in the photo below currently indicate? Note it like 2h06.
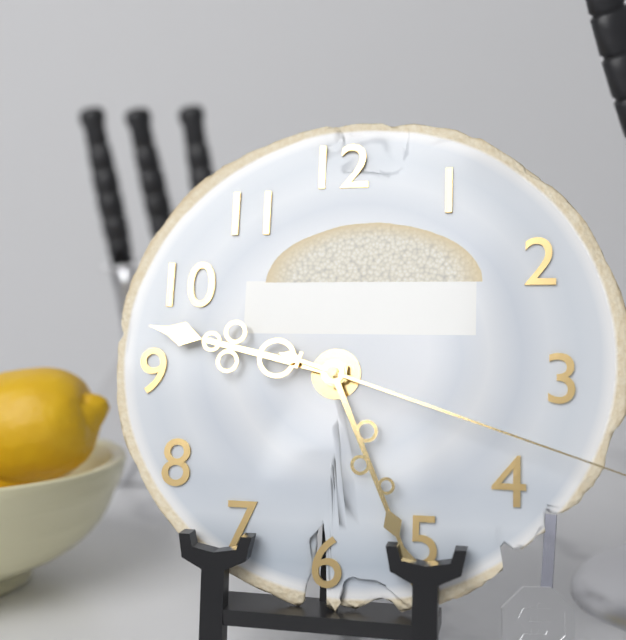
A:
9h26
